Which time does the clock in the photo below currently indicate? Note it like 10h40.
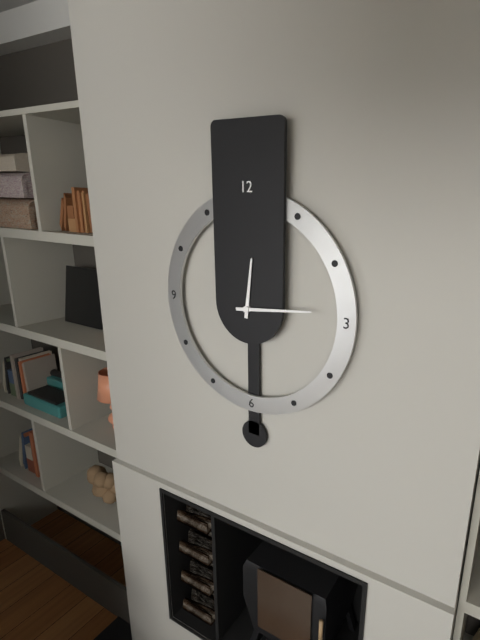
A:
12h14
